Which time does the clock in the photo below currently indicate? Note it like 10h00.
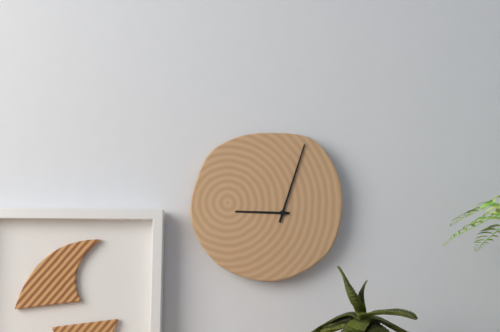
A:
9h03
